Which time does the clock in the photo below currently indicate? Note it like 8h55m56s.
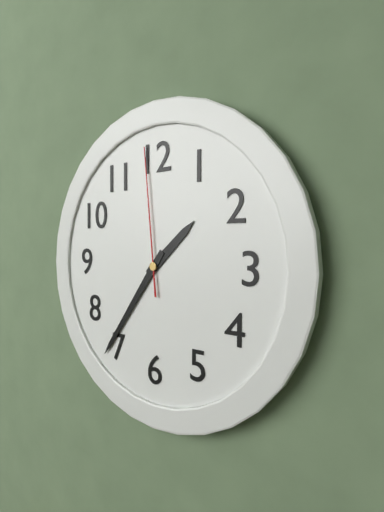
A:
1h36m59s
